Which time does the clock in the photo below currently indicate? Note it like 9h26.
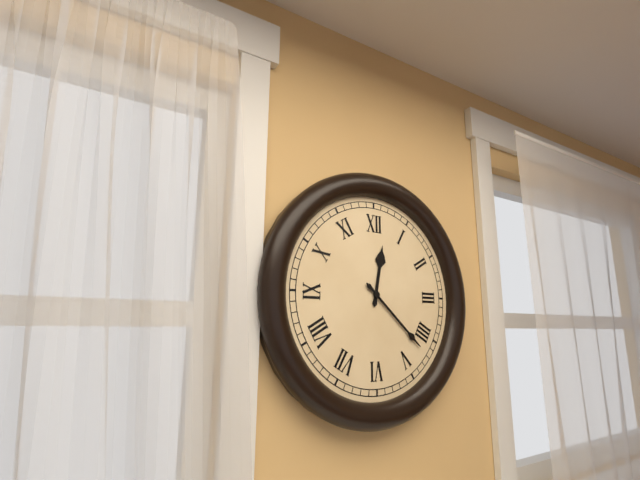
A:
12h22
